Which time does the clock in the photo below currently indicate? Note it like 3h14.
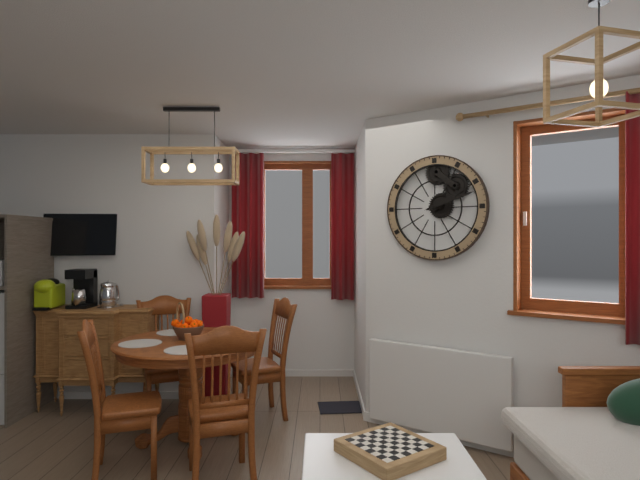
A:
2h12
